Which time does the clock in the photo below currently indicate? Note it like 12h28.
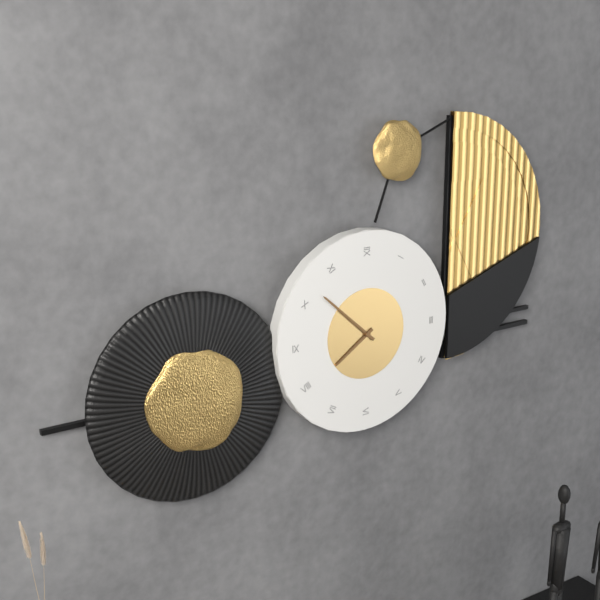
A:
7h52
